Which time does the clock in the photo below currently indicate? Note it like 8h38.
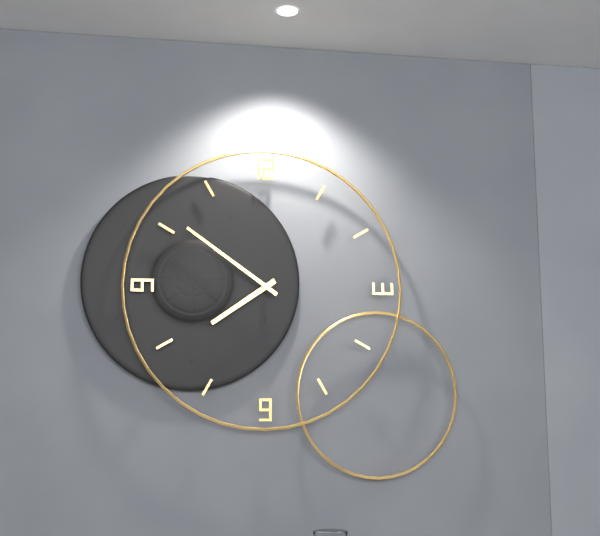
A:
7h51
